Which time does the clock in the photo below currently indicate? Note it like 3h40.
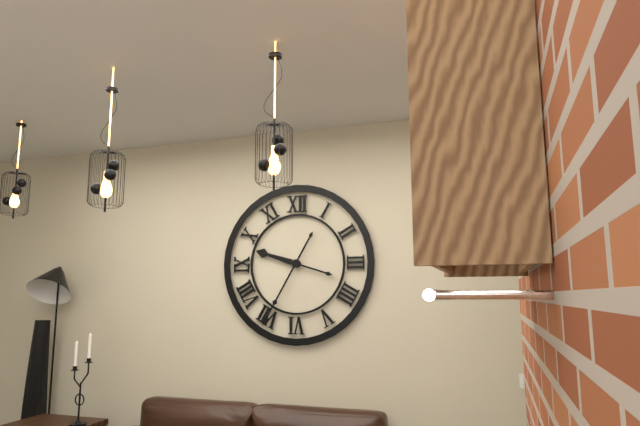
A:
9h35
